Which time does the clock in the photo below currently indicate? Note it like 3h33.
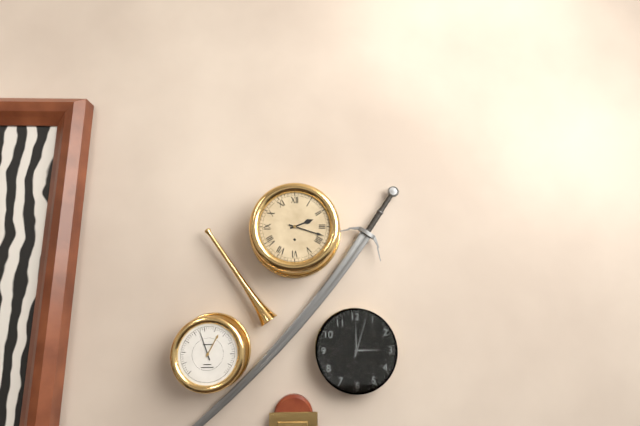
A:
2h18
